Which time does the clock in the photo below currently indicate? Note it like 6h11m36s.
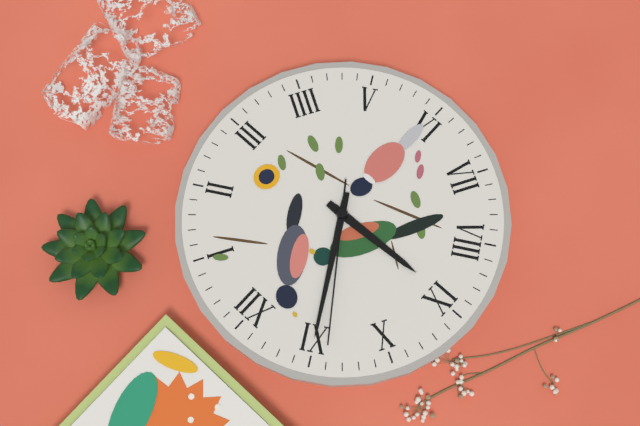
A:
8h55m54s
